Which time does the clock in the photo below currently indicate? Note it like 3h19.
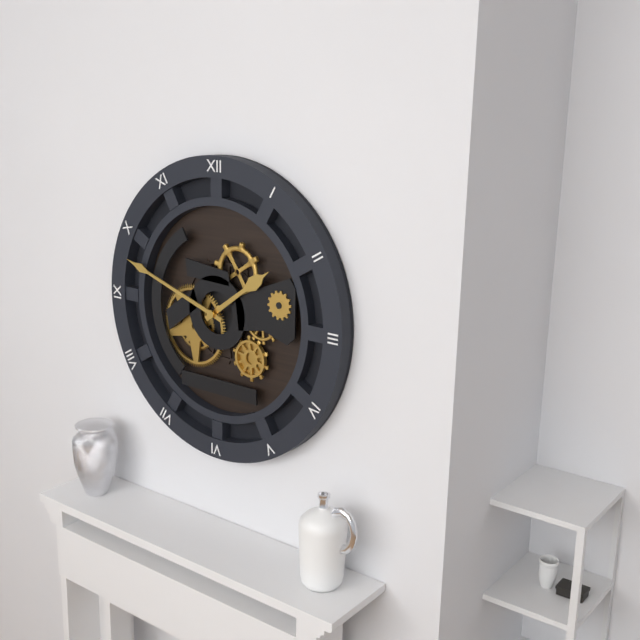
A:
1h48
